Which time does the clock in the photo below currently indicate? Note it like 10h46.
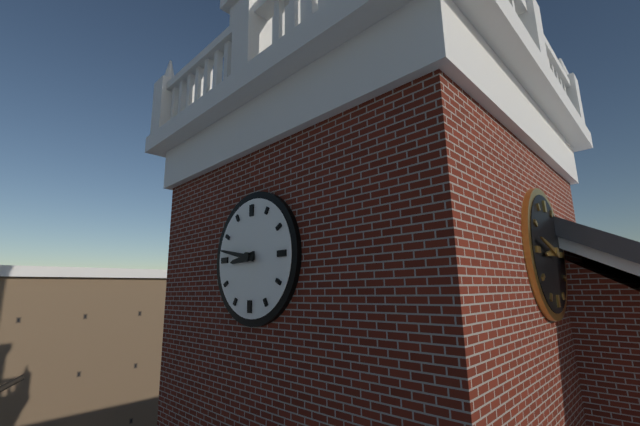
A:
8h47
